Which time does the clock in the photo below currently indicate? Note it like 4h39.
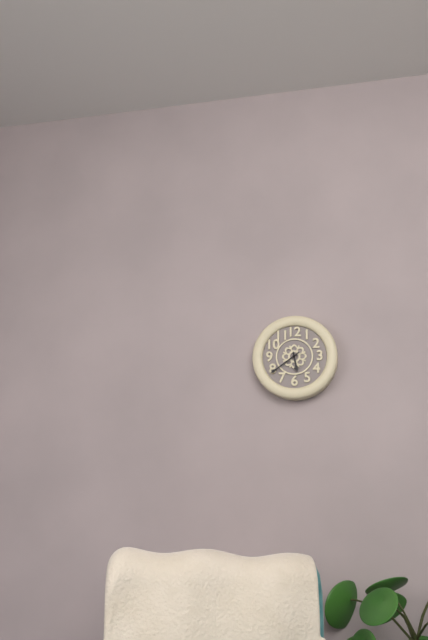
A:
5h39
